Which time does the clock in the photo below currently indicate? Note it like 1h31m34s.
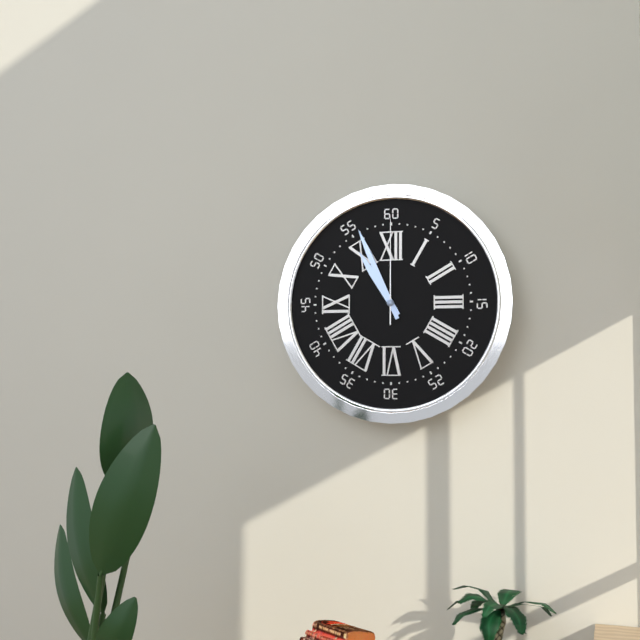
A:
10h56m00s
